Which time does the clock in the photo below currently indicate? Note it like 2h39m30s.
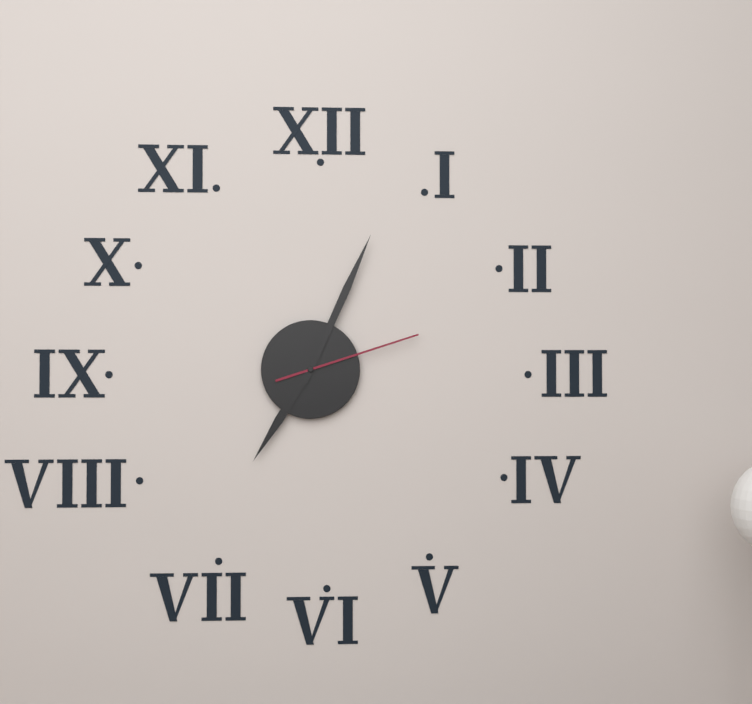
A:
7h04m12s
